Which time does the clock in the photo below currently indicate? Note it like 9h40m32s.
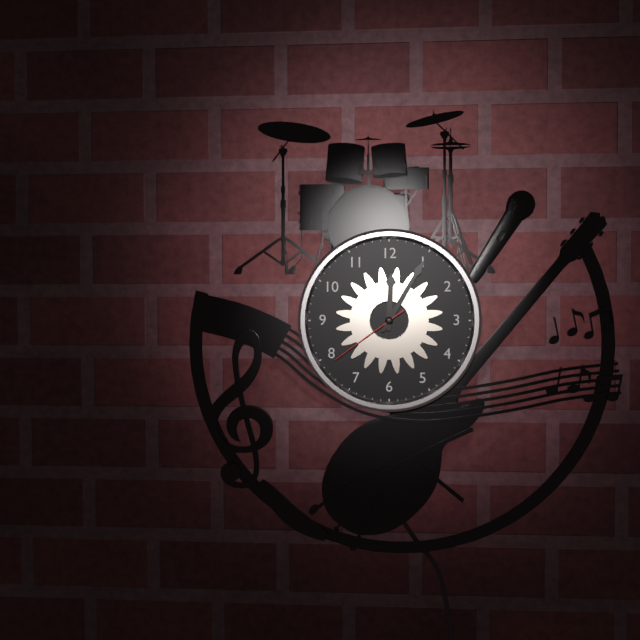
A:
12h05m39s
